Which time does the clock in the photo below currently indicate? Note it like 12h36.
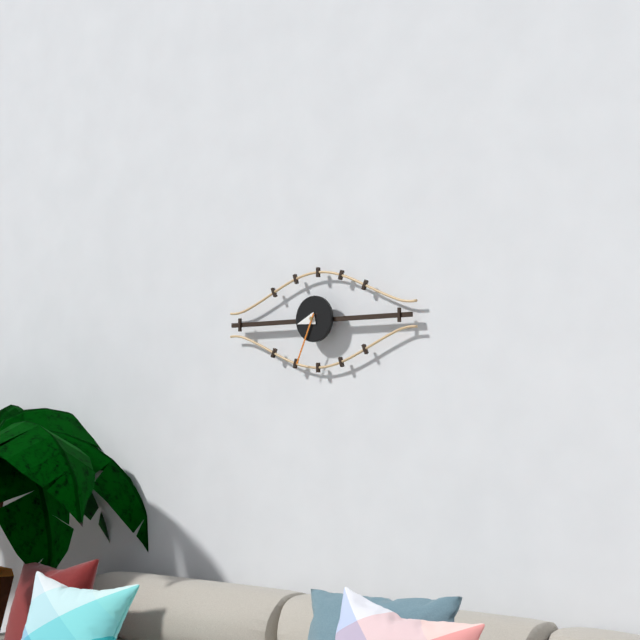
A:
8h34
